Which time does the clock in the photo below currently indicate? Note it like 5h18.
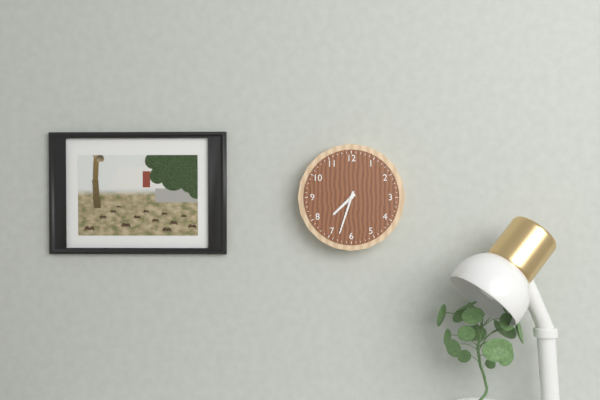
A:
7h33
